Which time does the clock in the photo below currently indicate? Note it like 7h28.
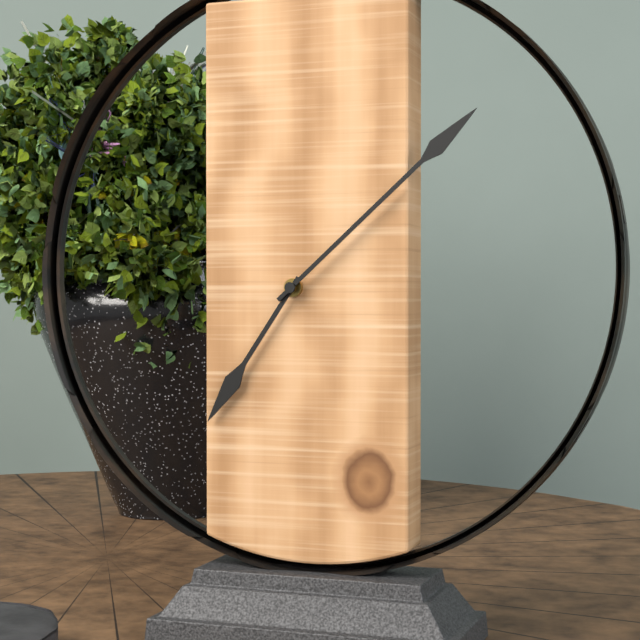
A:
7h08
